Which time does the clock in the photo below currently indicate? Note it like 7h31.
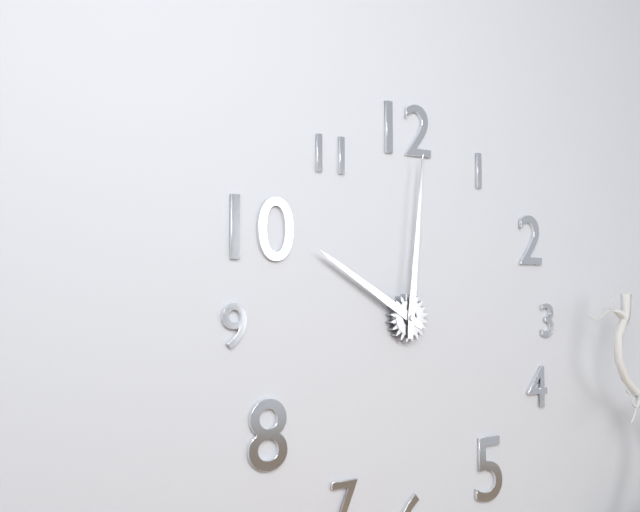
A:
10h01
